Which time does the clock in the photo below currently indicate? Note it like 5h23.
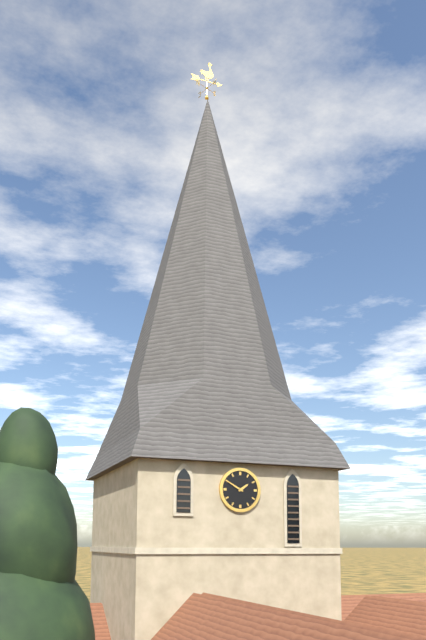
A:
1h50
